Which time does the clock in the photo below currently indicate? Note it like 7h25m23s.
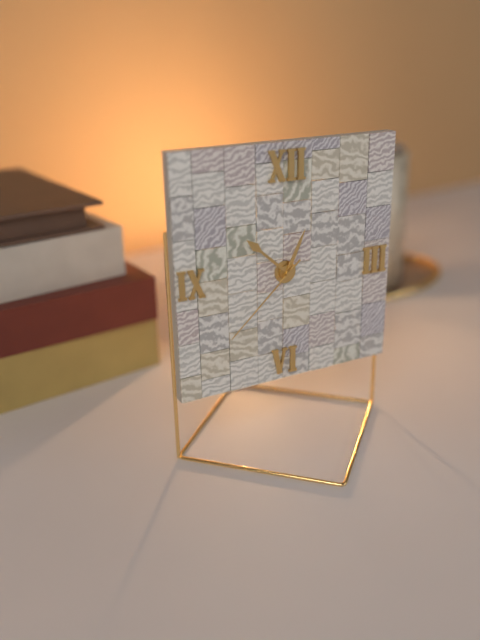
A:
12h52m38s
